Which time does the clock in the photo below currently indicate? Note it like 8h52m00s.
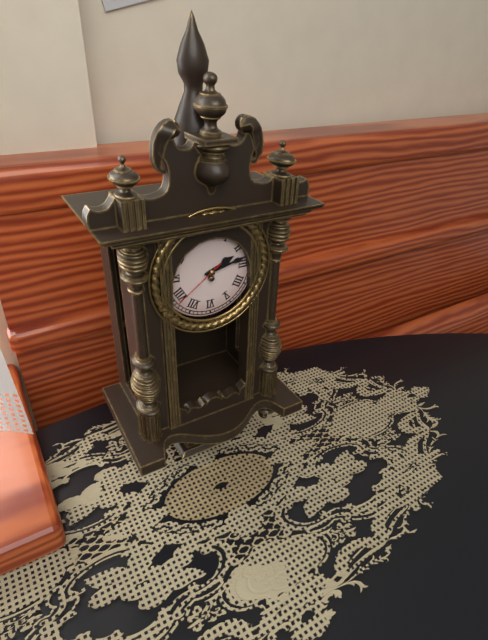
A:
2h13m39s
